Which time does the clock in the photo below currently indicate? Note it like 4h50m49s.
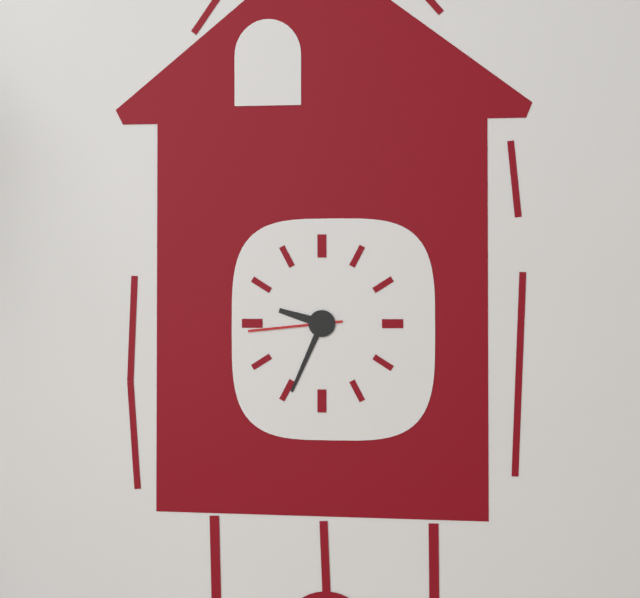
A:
9h34m44s
